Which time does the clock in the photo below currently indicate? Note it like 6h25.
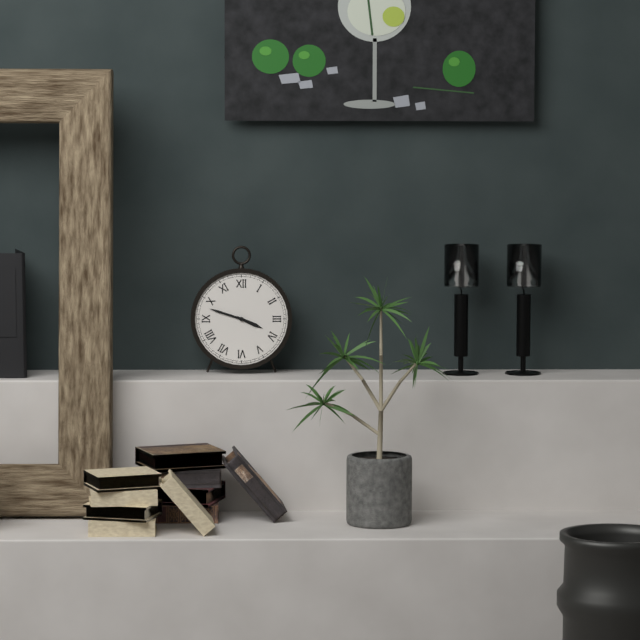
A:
3h48
